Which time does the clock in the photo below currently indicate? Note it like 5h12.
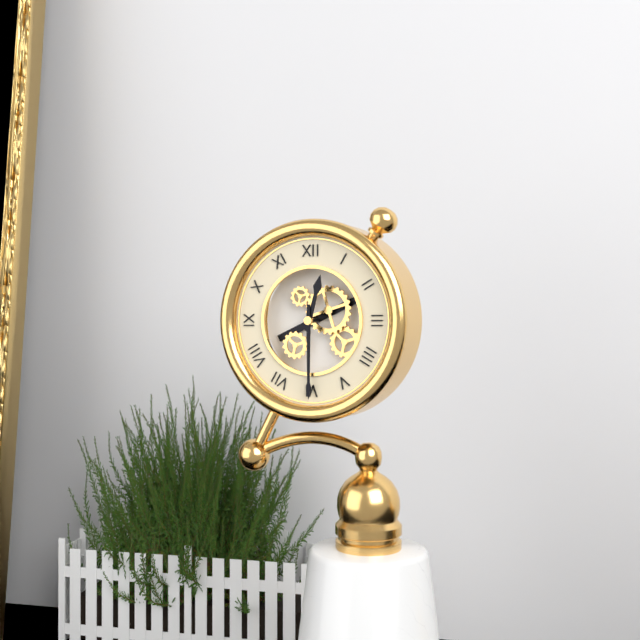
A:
12h30
